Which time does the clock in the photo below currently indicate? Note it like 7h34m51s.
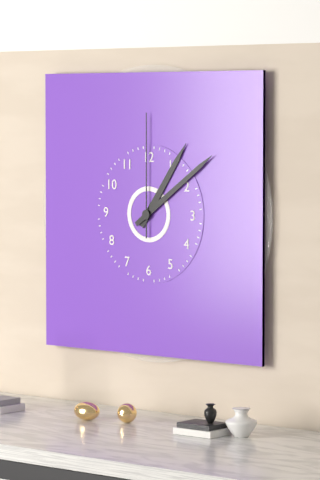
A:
1h09m00s
